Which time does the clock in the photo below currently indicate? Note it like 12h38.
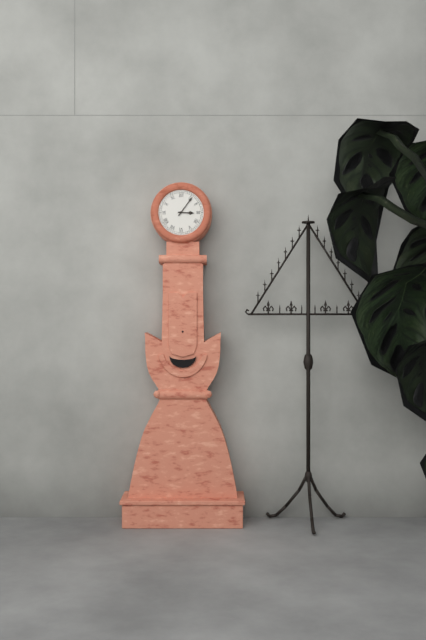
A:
3h06
